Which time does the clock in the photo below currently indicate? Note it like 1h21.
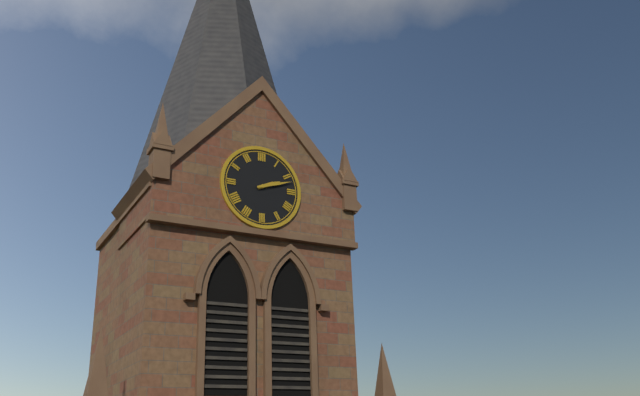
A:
2h12
